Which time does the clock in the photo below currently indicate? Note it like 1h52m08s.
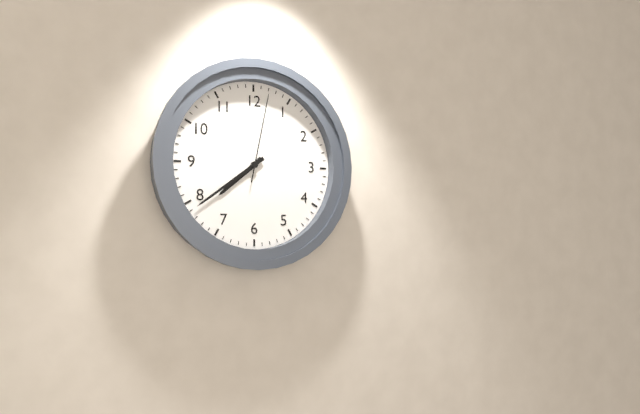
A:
7h39m02s
